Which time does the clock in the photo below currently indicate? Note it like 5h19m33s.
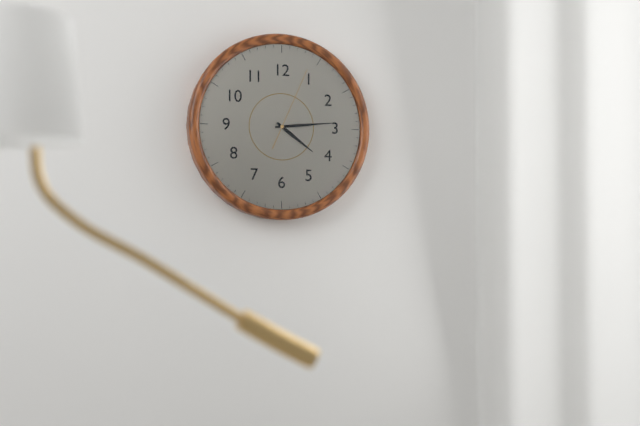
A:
4h14m04s
